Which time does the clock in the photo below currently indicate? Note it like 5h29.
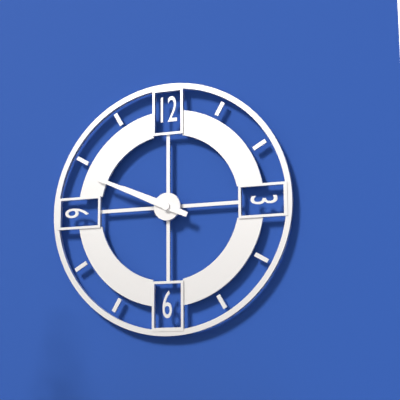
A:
9h49
